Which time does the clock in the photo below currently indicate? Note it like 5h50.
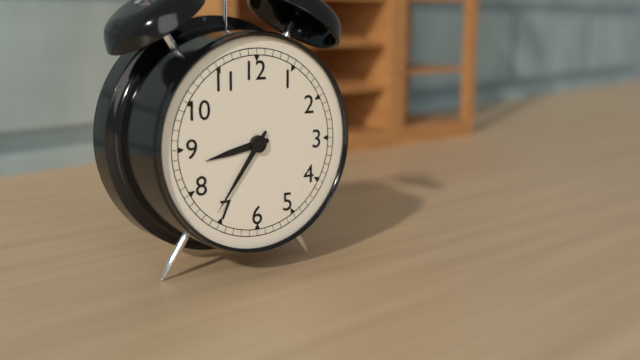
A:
8h36
